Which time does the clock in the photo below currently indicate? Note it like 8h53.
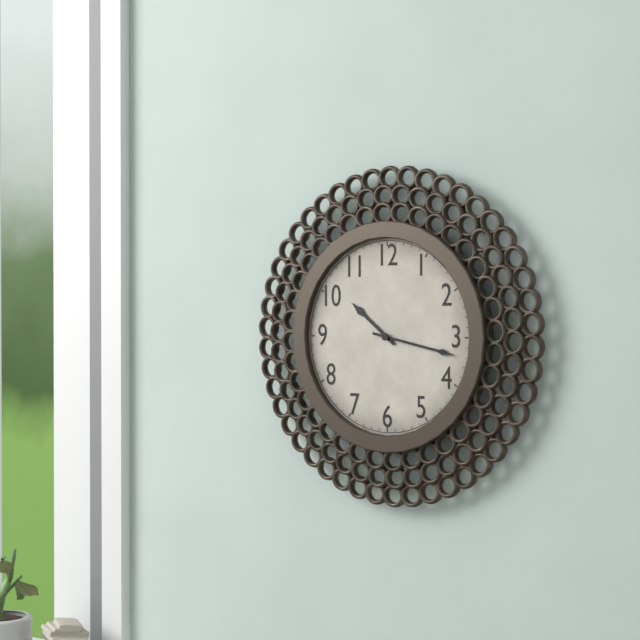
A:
10h17
